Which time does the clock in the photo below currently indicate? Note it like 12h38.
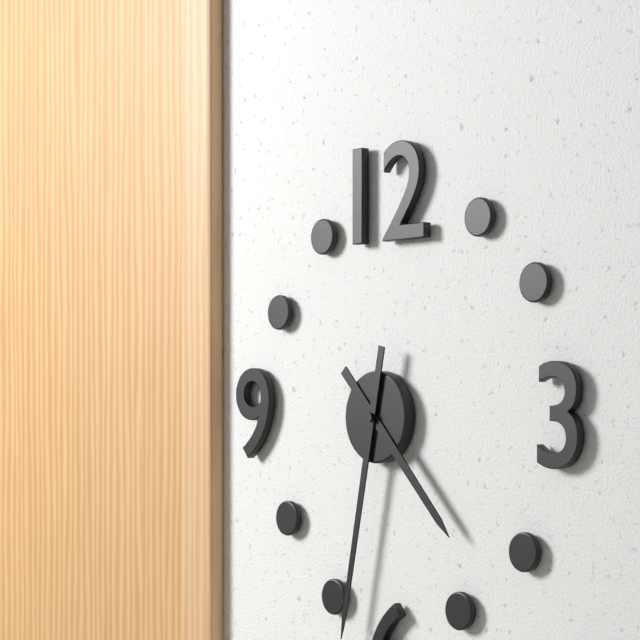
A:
4h32
